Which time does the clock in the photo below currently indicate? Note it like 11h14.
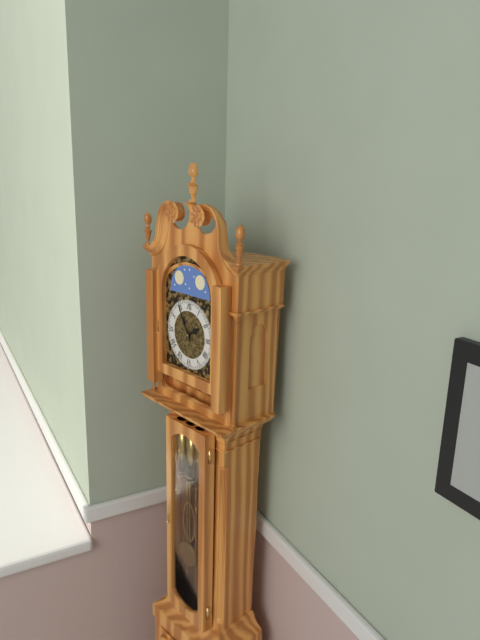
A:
1h55
